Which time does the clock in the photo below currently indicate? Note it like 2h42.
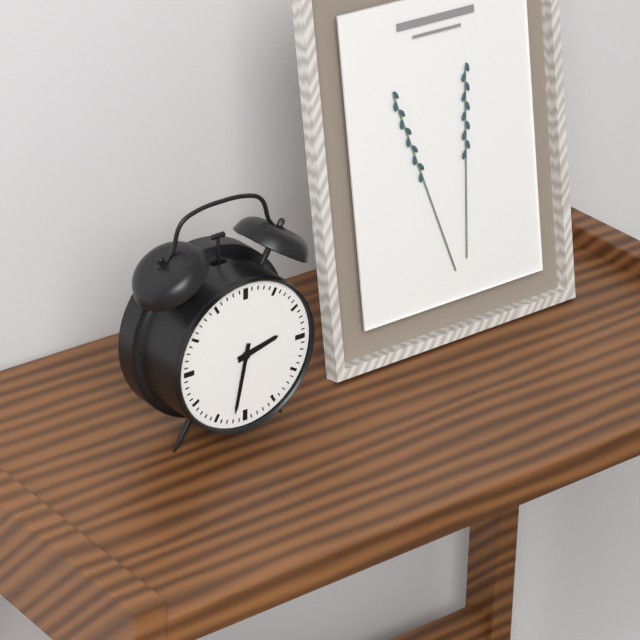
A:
2h32
